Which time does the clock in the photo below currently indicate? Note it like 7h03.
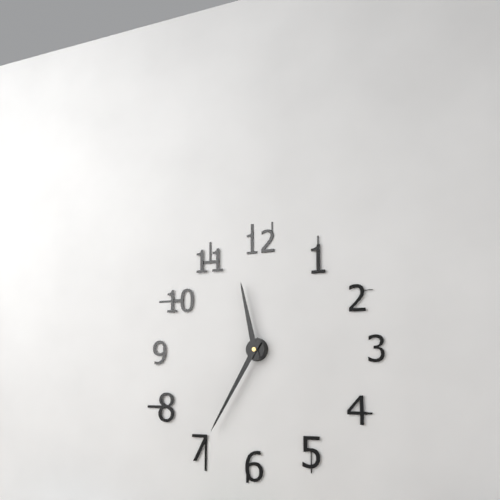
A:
11h35
